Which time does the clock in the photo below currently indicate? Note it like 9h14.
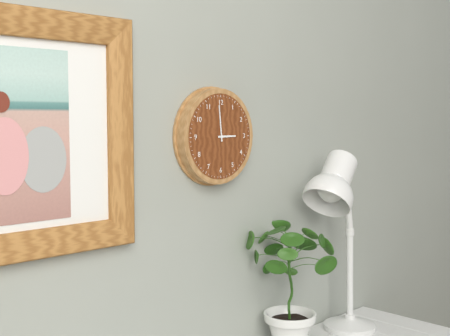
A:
2h59
